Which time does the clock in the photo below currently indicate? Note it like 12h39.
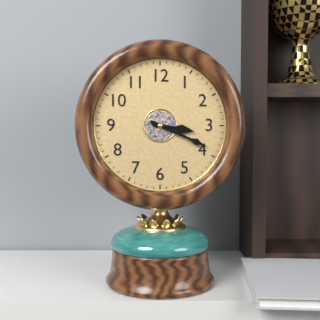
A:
3h19
